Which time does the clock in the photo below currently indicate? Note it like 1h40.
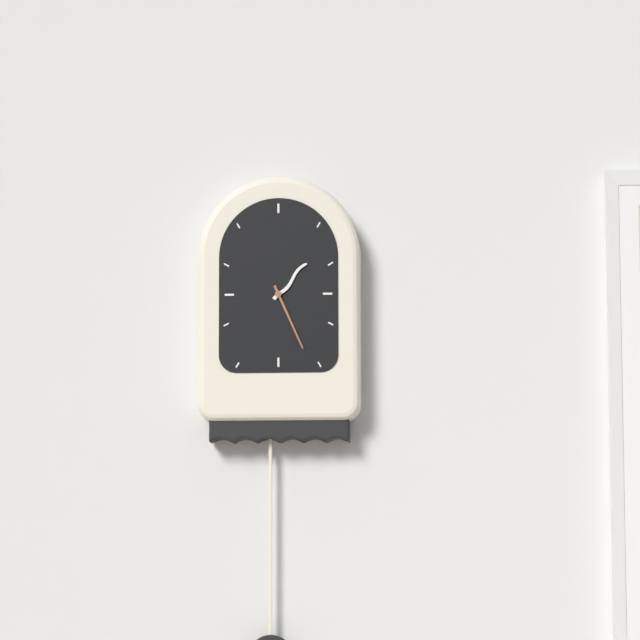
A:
1h26
